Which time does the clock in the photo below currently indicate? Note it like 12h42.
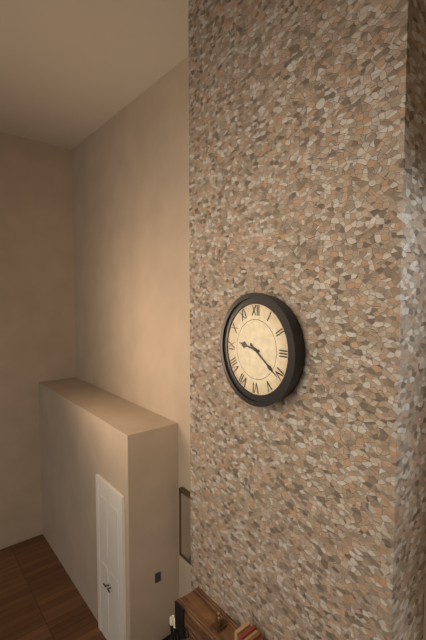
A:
9h21
